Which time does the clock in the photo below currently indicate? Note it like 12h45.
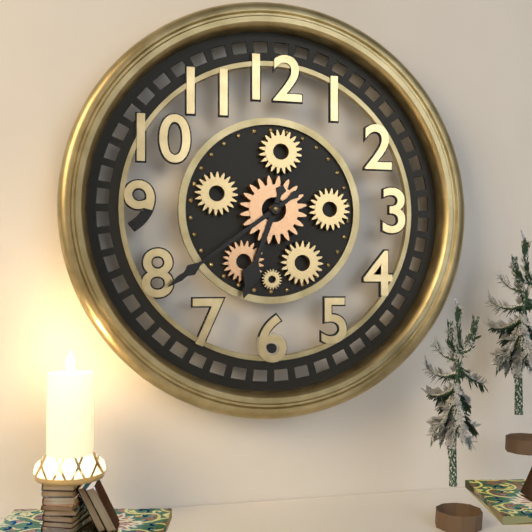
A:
6h39
